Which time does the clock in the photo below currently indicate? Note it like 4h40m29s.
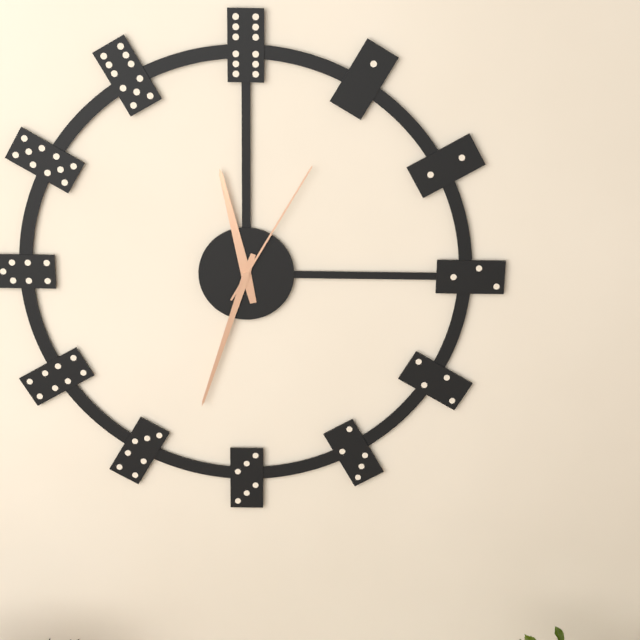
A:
11h33m05s
